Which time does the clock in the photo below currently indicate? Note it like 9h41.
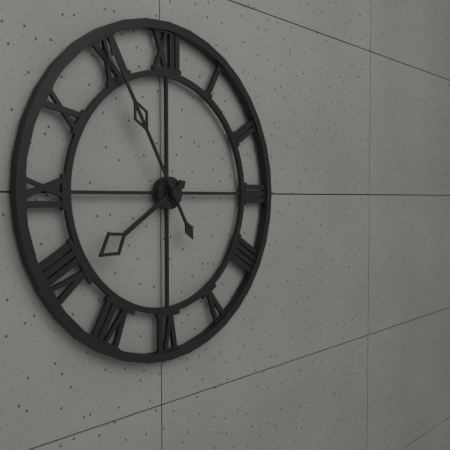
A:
7h55
